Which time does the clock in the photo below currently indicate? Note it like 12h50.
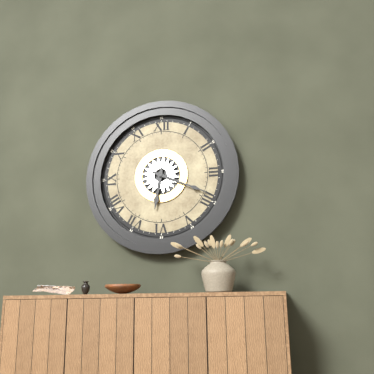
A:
6h19
